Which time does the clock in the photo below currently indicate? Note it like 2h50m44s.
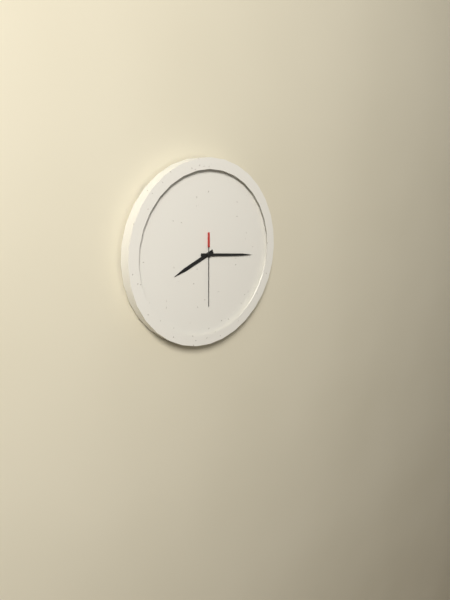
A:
8h16m30s
